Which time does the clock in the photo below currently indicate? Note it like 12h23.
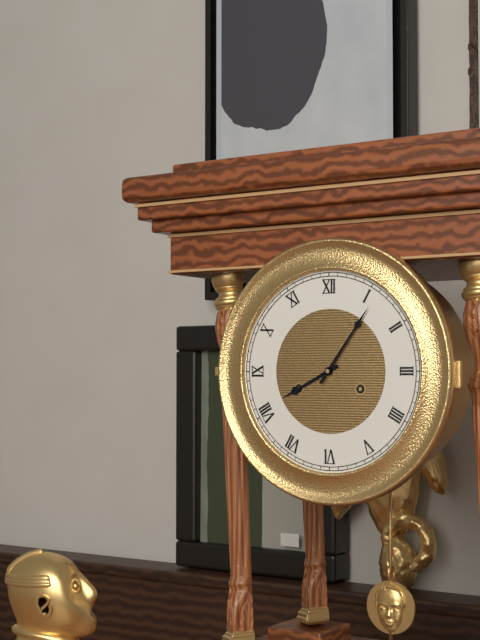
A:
8h06
